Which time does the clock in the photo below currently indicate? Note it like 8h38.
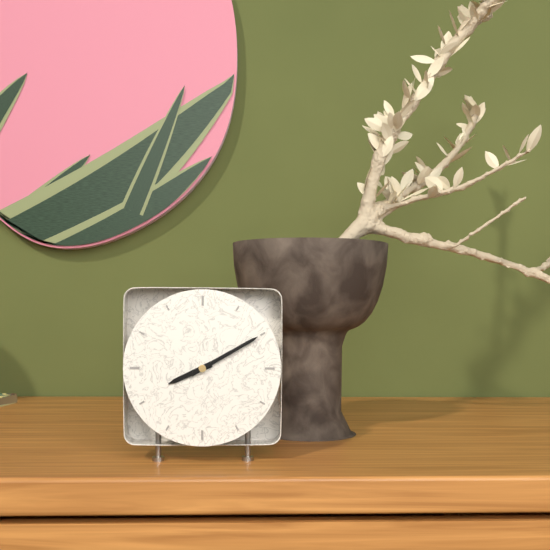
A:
8h10
